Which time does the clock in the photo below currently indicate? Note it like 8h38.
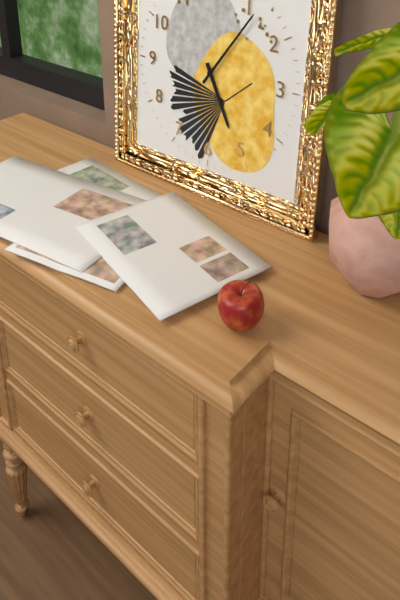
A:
5h06
